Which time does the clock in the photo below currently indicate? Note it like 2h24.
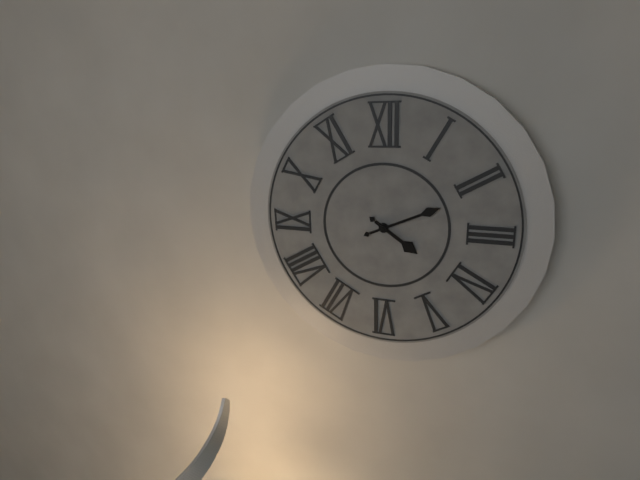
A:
4h11
